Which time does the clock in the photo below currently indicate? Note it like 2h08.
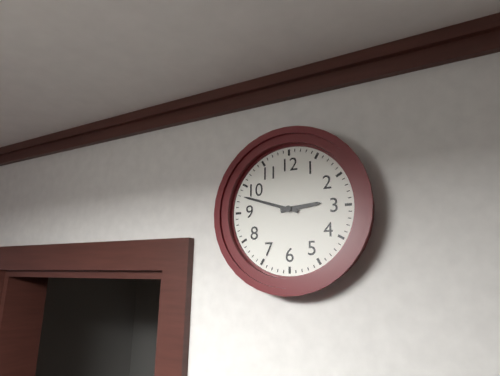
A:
2h48
